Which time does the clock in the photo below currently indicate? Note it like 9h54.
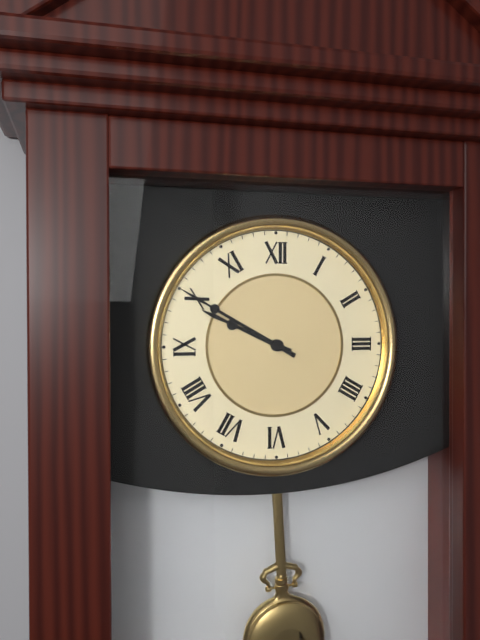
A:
9h50
